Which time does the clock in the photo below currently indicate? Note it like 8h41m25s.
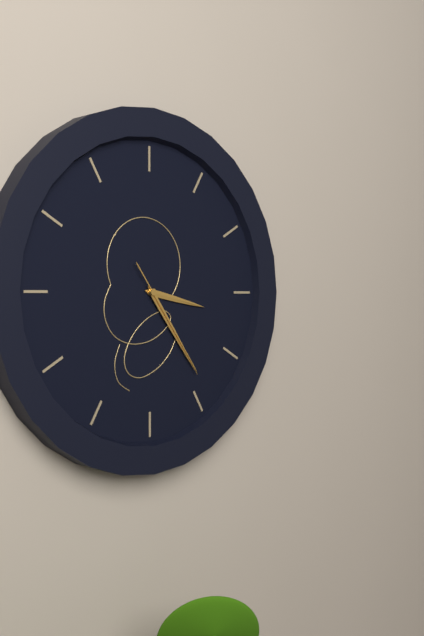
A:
3h24m24s
